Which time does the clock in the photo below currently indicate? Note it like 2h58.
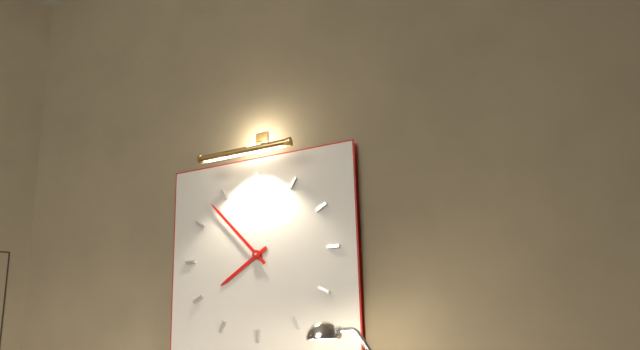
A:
7h53
